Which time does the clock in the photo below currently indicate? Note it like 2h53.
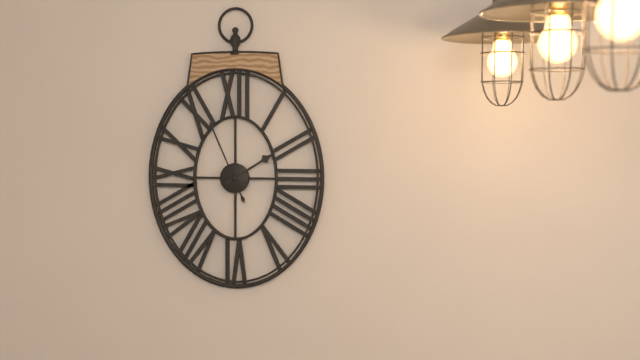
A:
1h56
